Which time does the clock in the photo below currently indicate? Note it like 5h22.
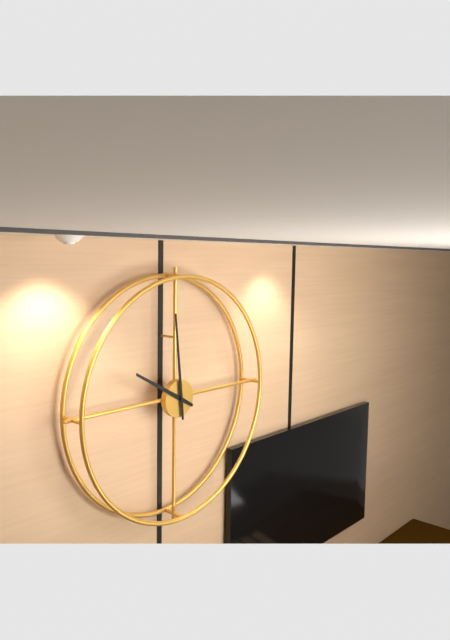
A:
9h59
